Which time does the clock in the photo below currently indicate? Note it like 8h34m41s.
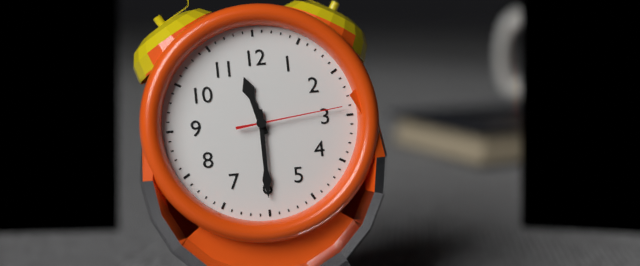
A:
11h30m14s
